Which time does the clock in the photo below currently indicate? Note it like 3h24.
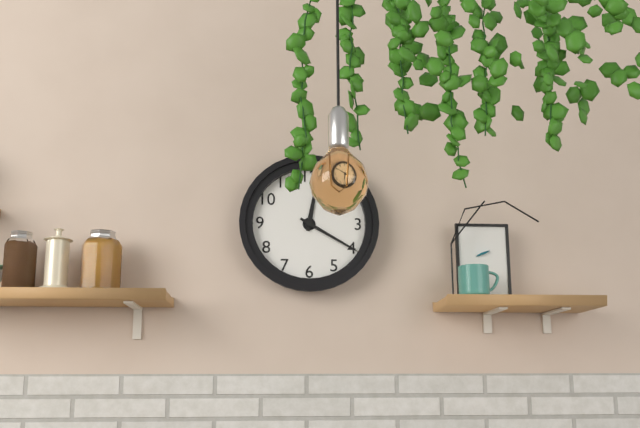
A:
12h20
